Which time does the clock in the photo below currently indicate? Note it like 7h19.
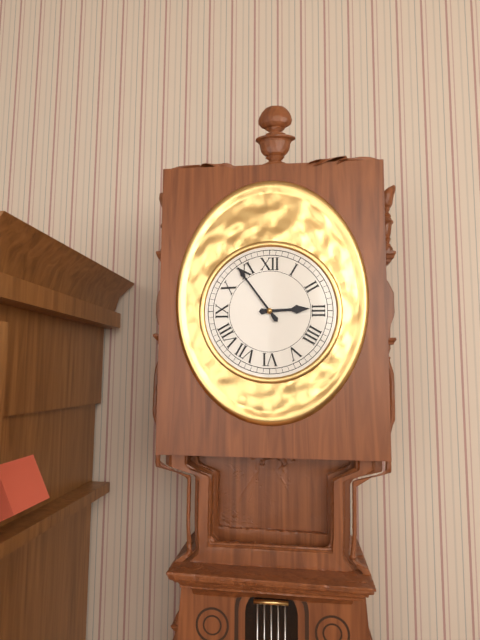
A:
2h54
